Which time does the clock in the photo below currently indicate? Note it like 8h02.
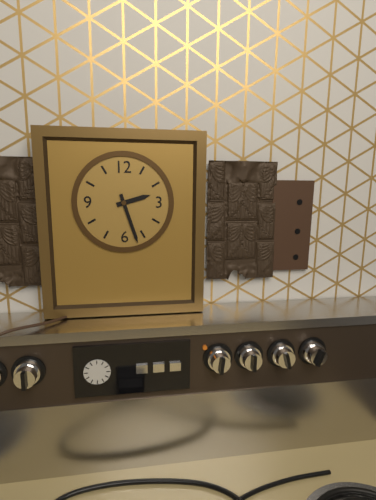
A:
2h27
